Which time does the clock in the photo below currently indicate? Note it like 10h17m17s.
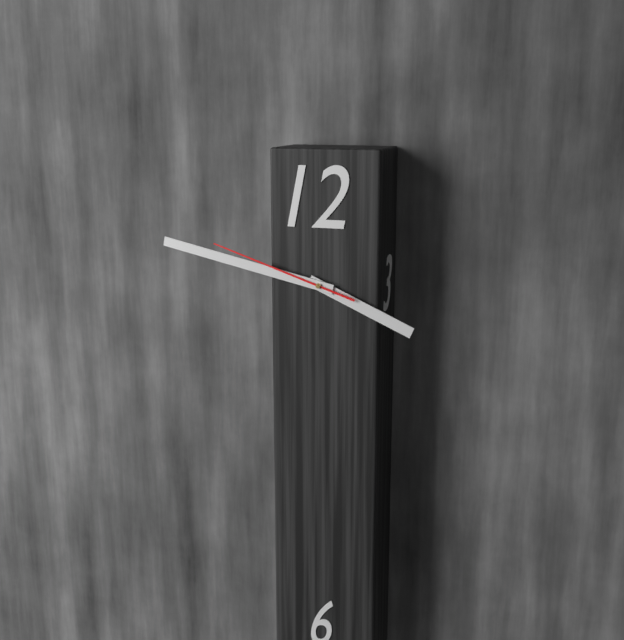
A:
3h47m48s
